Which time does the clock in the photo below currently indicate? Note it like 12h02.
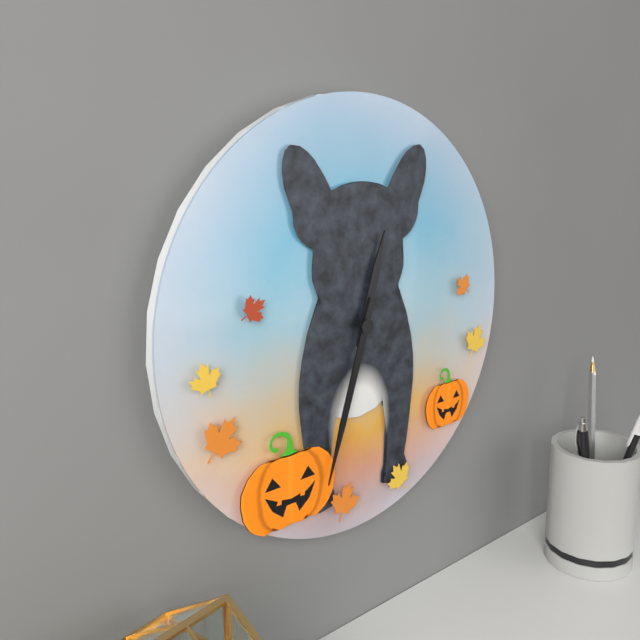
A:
12h33
